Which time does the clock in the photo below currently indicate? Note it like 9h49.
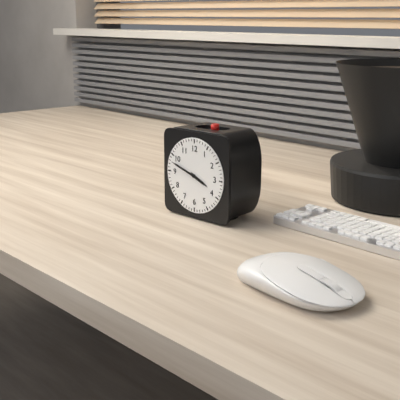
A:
3h48
